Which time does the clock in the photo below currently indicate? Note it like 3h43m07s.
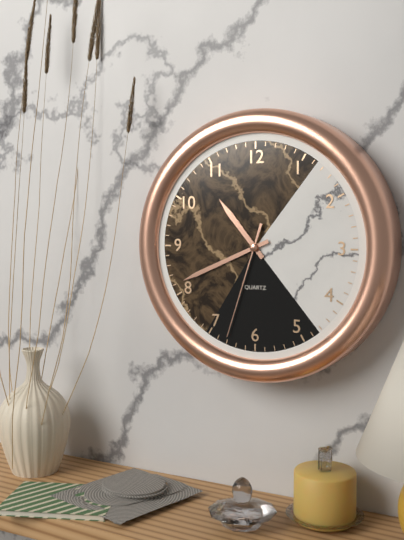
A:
10h41m33s
